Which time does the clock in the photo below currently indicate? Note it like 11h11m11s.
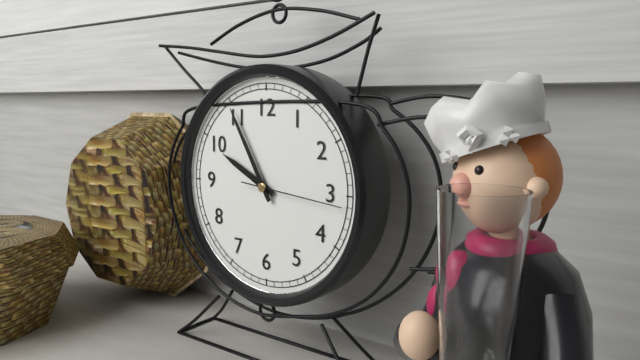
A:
9h55m16s
